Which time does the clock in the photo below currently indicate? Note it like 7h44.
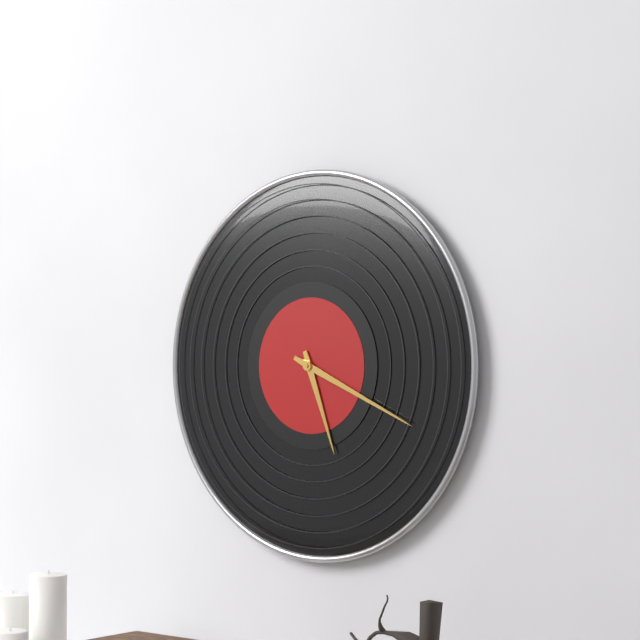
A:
5h19
